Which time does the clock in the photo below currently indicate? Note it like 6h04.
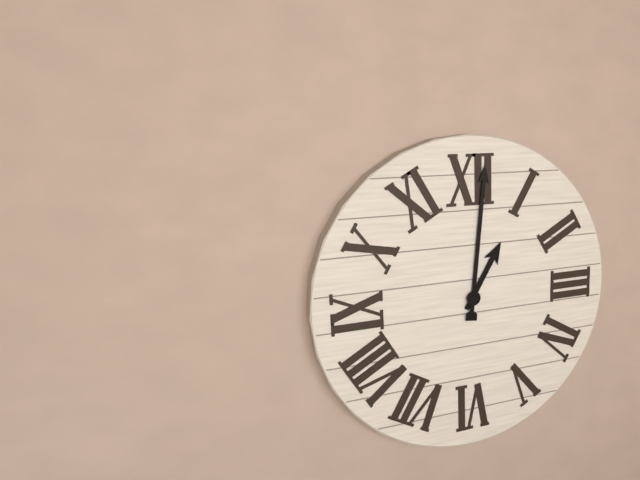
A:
1h01
